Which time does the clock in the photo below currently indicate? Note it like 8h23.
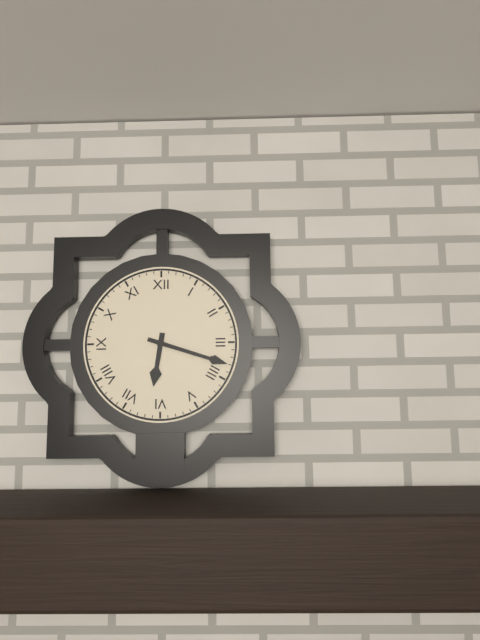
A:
6h18
